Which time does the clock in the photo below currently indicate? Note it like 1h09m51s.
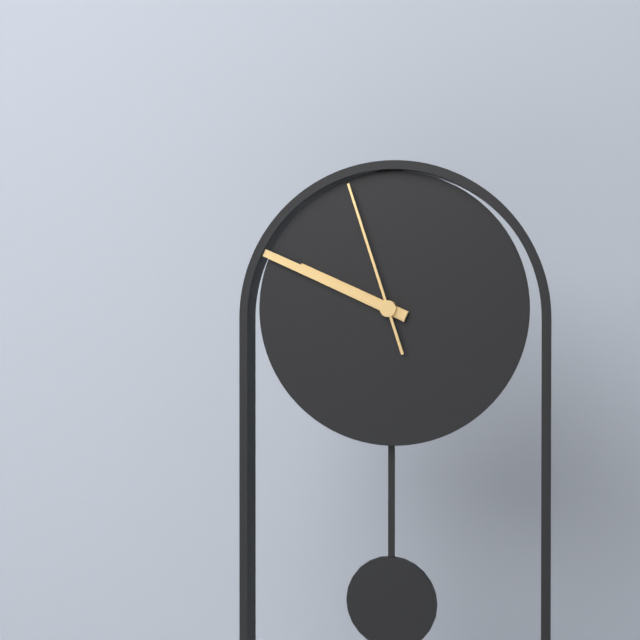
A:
9h49m57s
